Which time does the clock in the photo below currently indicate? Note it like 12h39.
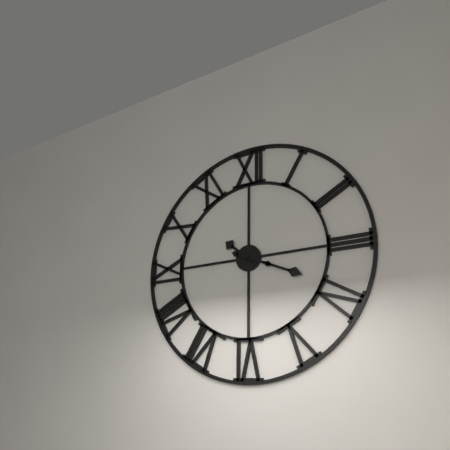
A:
10h19
